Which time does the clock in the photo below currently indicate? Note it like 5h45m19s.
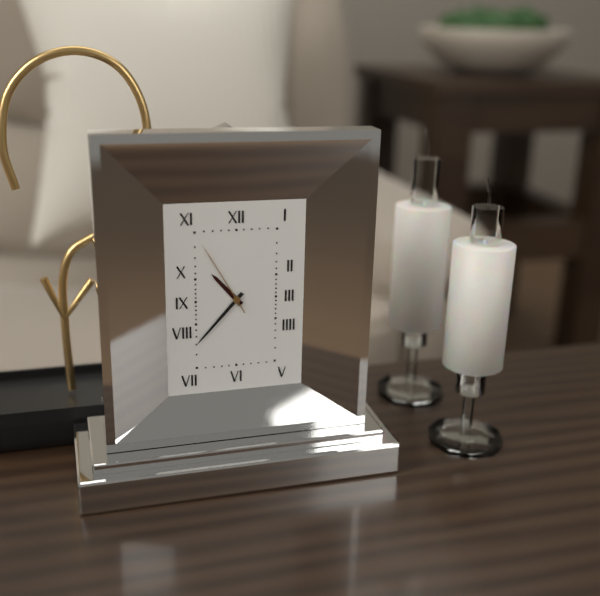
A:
10h37m55s
